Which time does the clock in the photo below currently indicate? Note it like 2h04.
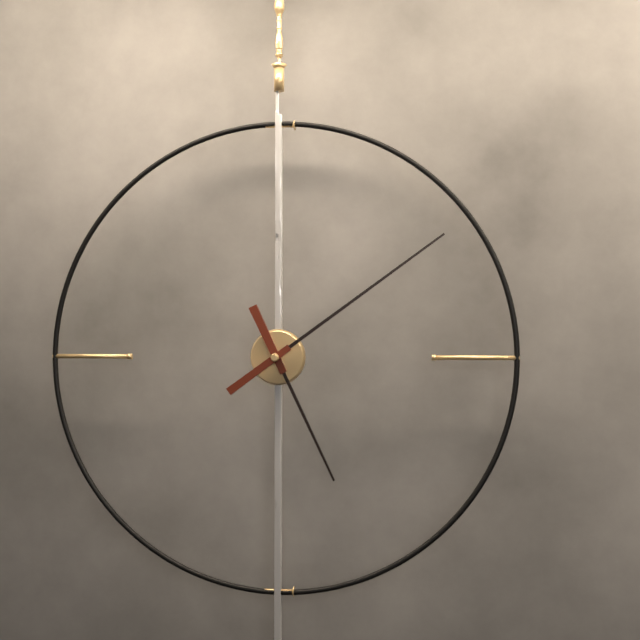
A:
5h09
